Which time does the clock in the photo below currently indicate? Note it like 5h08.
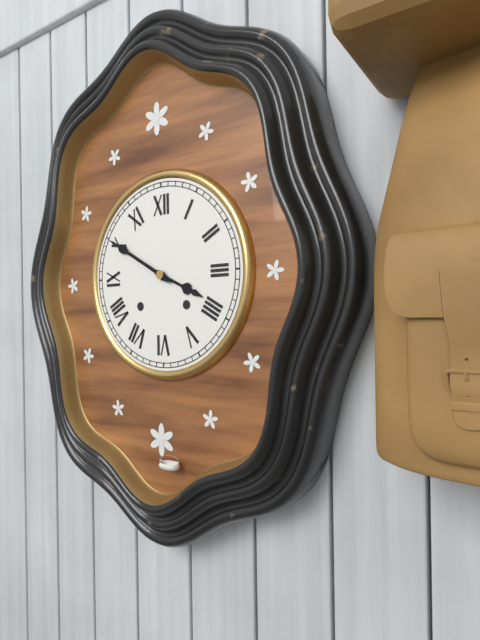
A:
3h50
